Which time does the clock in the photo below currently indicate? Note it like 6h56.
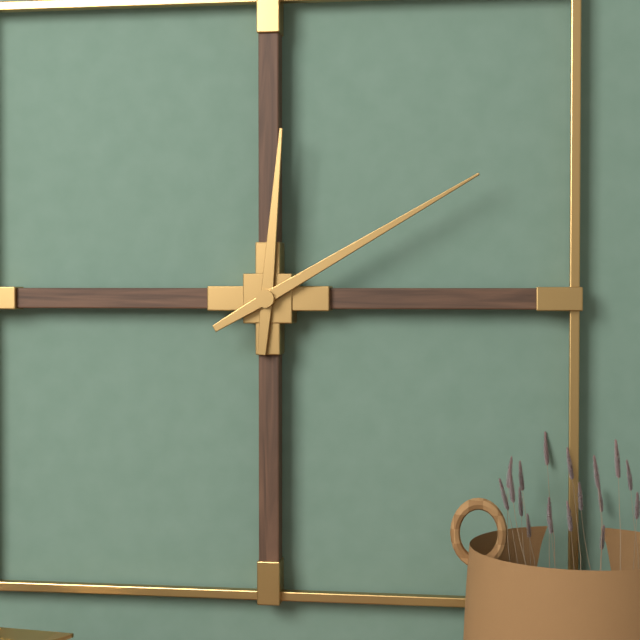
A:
12h10
